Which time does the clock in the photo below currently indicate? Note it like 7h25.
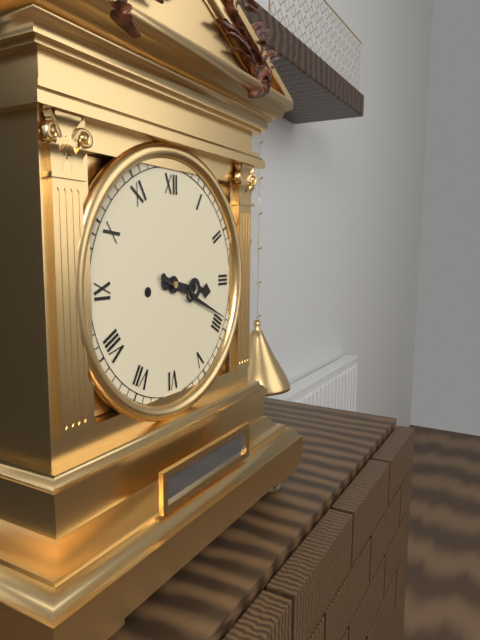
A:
3h19
